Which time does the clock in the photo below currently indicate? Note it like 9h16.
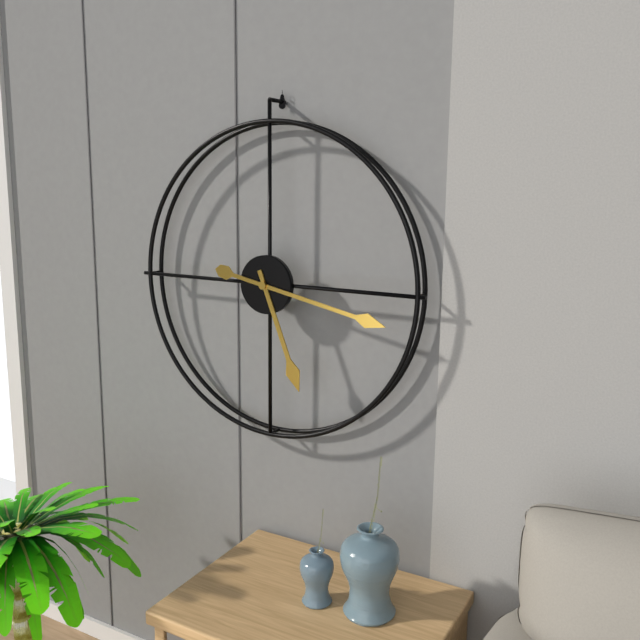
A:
5h17
